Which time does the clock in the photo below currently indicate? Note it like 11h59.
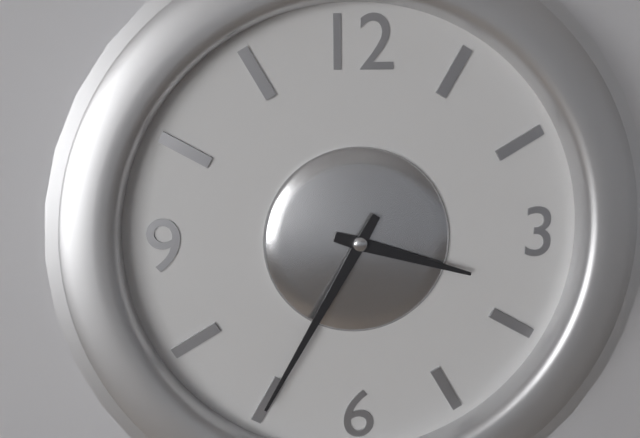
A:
3h35
